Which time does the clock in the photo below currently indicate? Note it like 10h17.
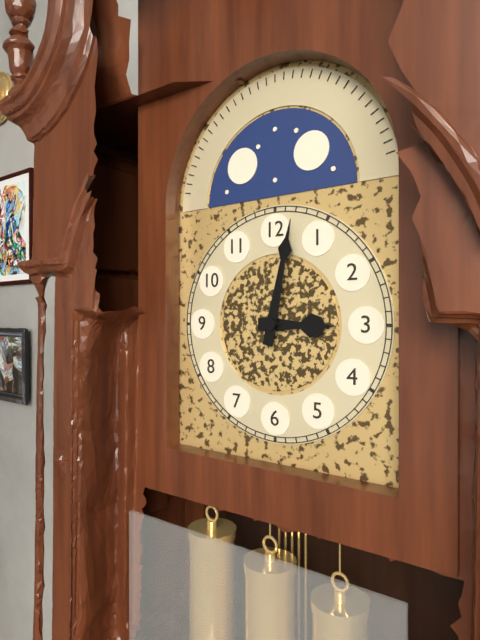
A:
3h02
